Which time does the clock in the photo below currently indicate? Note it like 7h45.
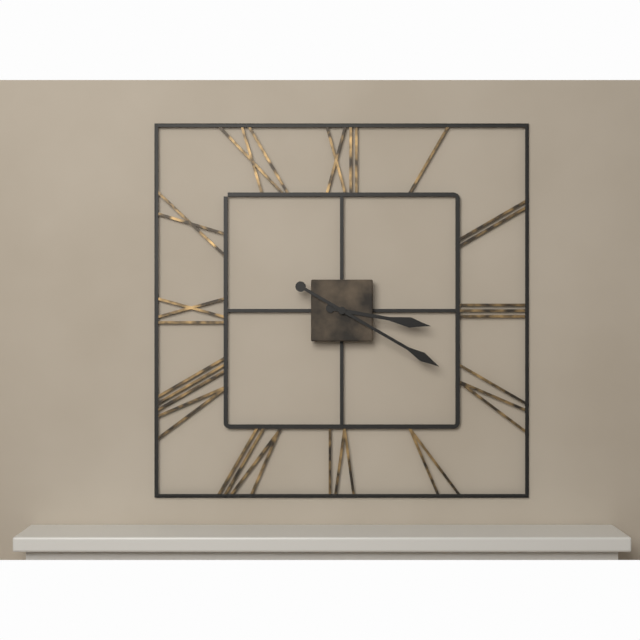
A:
3h20
